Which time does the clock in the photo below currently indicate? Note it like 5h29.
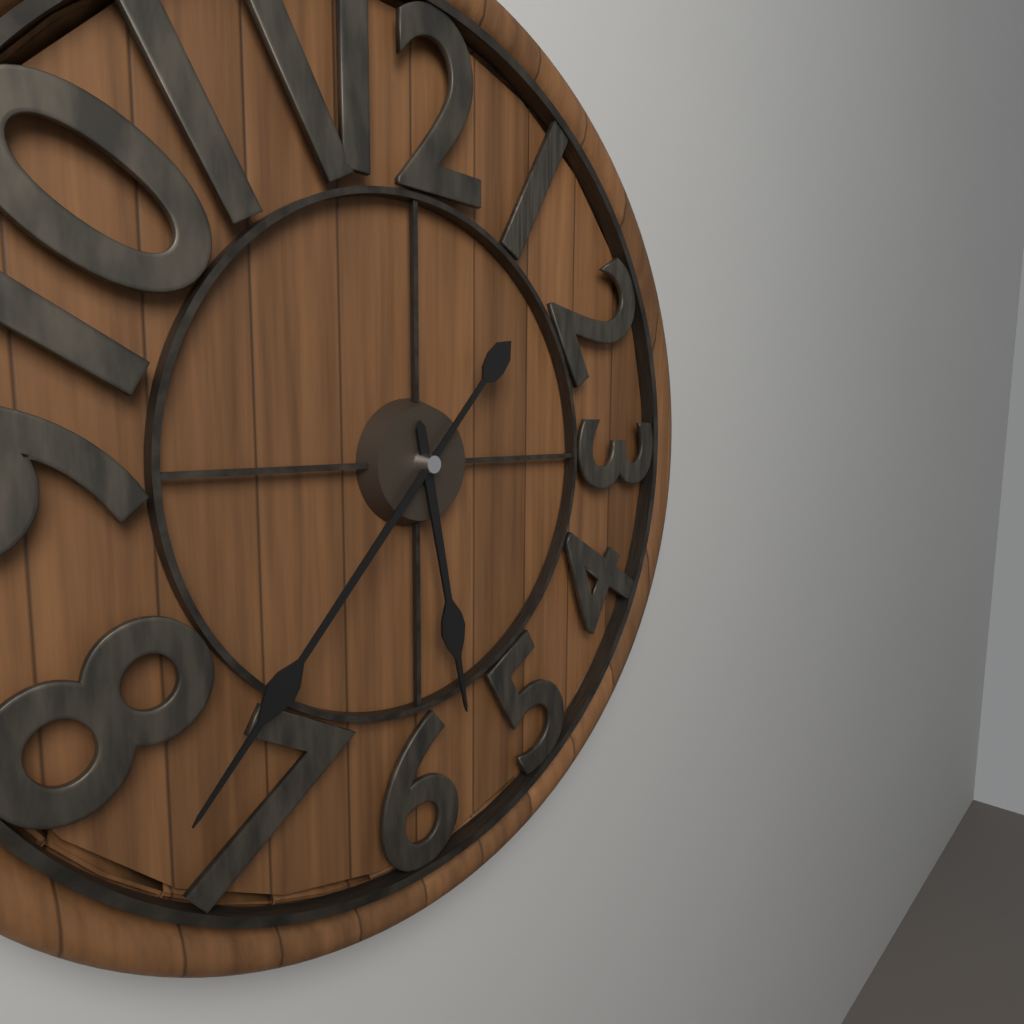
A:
5h37
